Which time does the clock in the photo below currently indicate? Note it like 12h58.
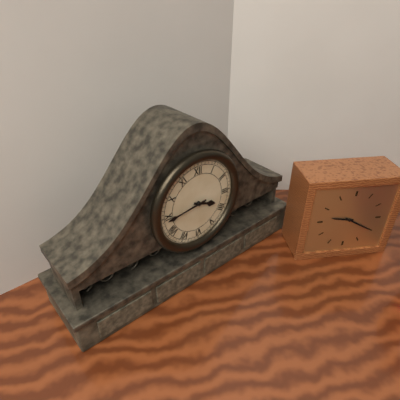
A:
3h44
